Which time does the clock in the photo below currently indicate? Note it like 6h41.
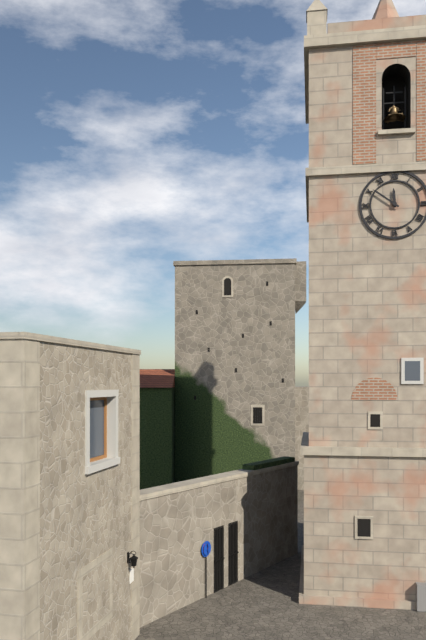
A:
11h51
